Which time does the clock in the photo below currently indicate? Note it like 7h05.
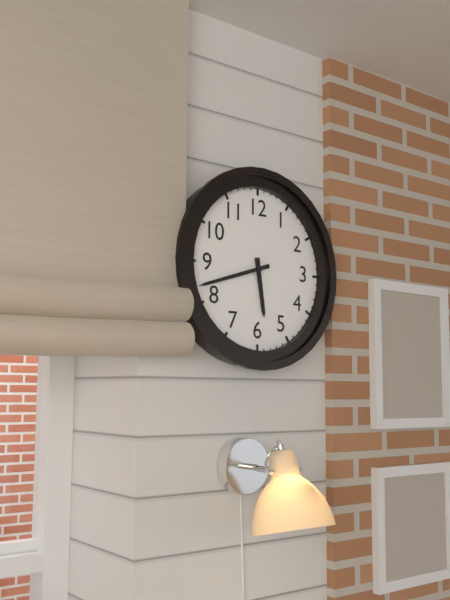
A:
5h42
